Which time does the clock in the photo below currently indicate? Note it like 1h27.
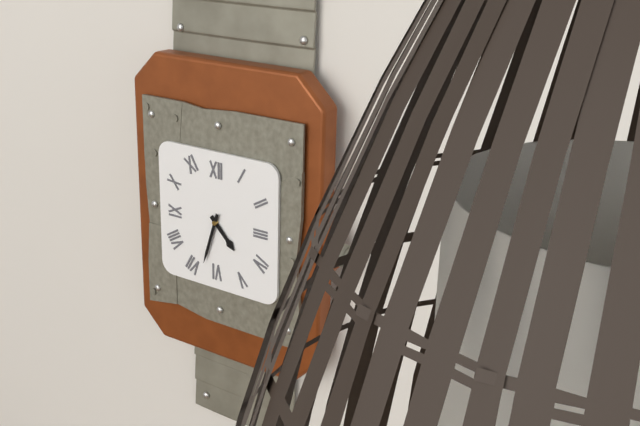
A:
4h33
